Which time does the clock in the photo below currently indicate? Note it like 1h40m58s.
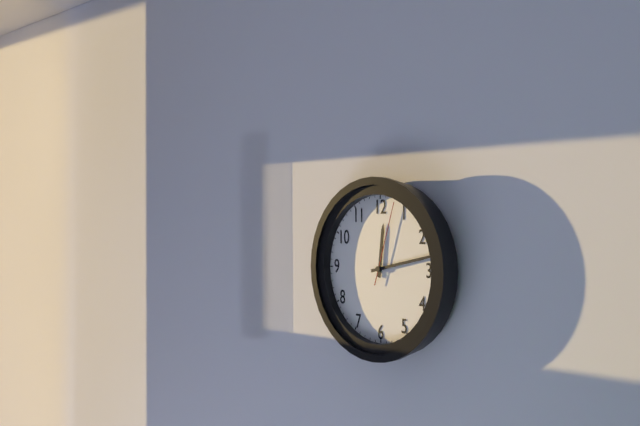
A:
12h13m03s
